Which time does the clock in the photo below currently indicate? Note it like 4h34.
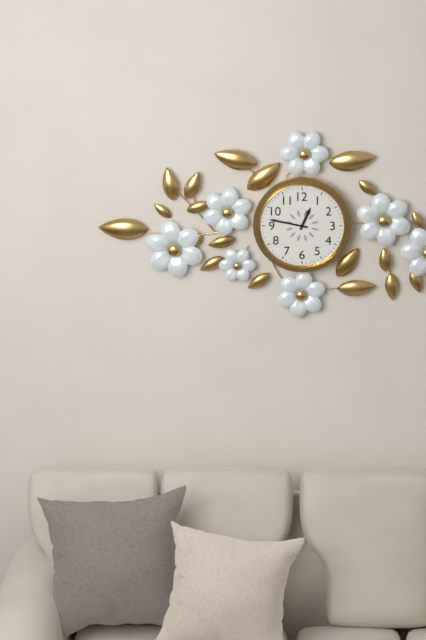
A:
12h47
